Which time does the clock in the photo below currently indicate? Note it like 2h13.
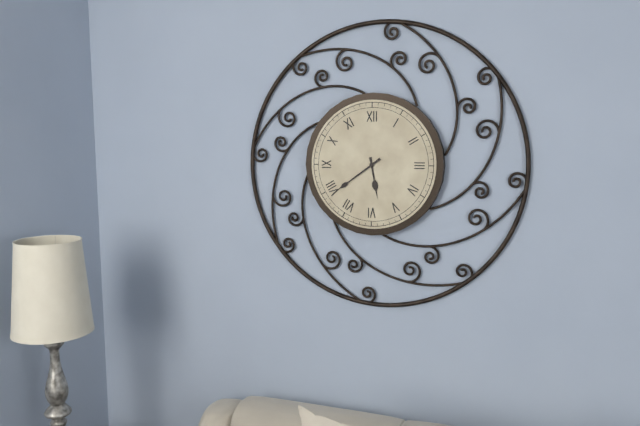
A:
5h39
